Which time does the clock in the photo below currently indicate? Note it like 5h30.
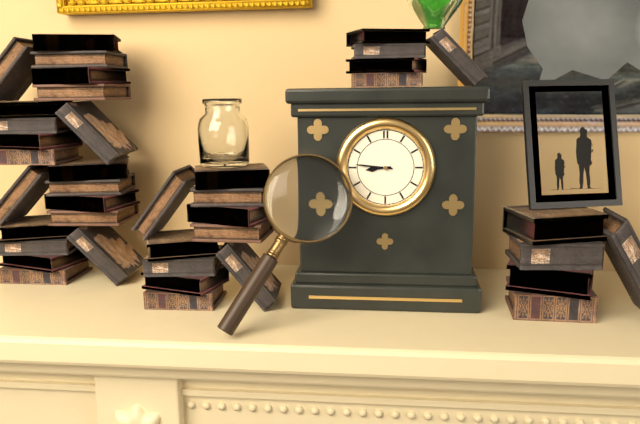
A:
8h46
